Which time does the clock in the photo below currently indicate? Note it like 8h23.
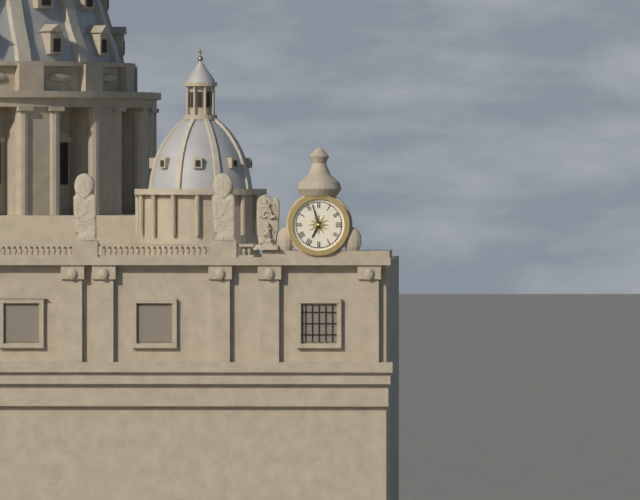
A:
6h57
